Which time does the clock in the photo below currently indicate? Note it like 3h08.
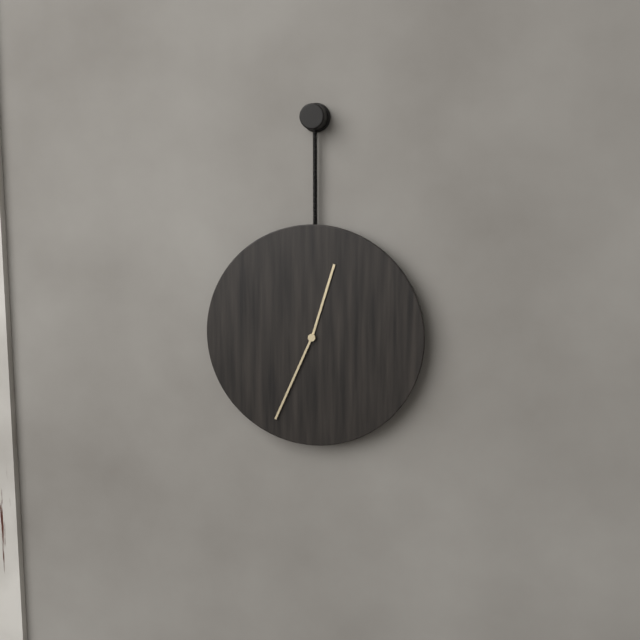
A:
12h34
